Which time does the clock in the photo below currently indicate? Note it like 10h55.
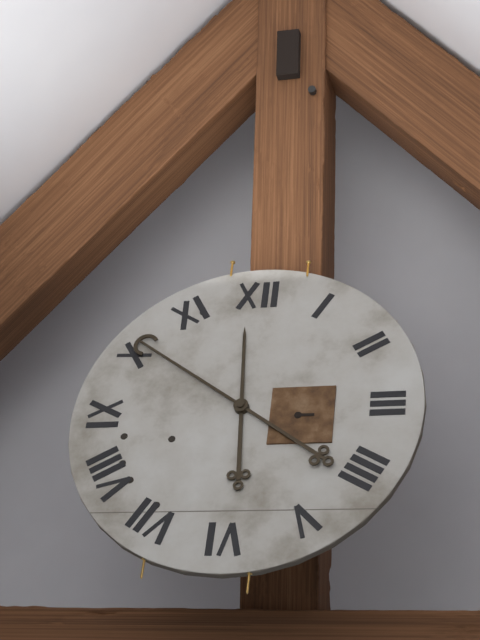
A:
11h51
